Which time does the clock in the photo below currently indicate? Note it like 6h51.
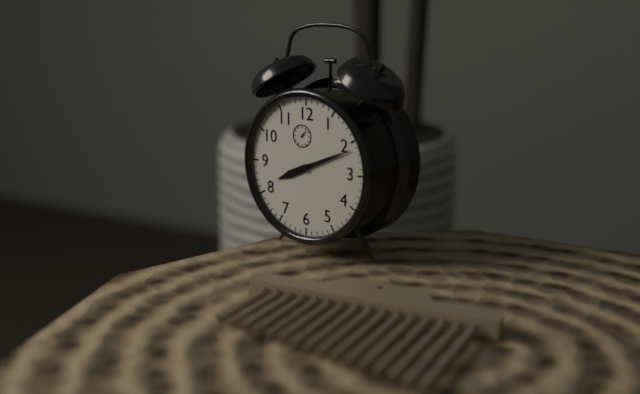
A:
8h11
